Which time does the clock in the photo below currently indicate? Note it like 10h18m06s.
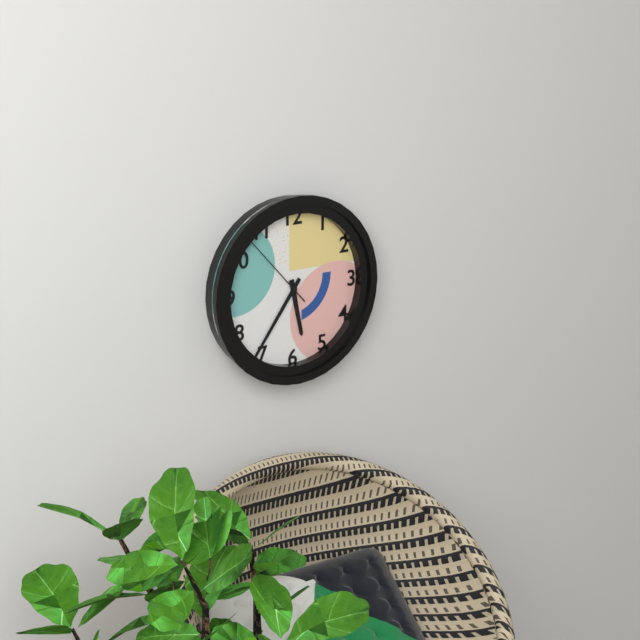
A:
5h36m53s
